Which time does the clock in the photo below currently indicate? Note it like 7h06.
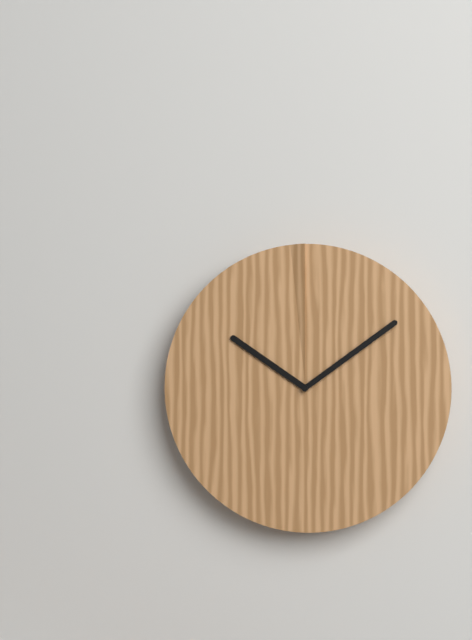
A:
10h09
